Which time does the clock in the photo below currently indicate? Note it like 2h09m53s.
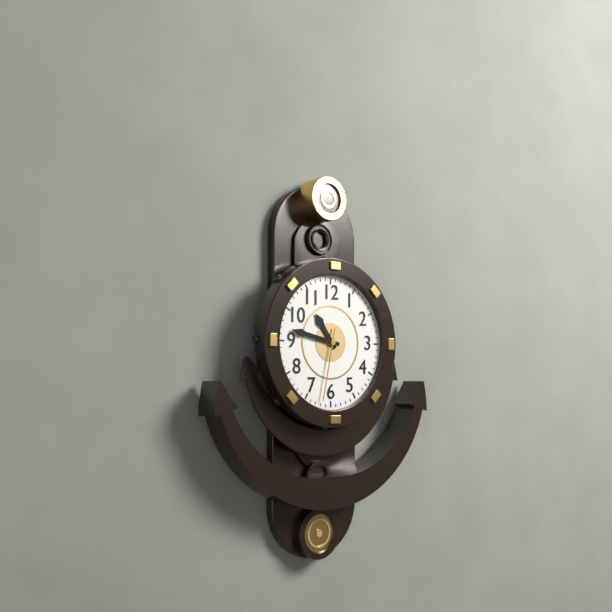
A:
10h47m32s
